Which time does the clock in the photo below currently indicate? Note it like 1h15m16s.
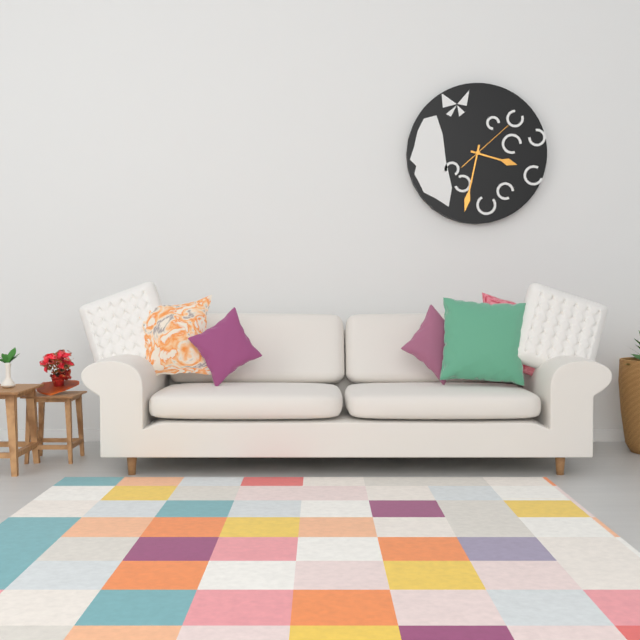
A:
3h32m08s
